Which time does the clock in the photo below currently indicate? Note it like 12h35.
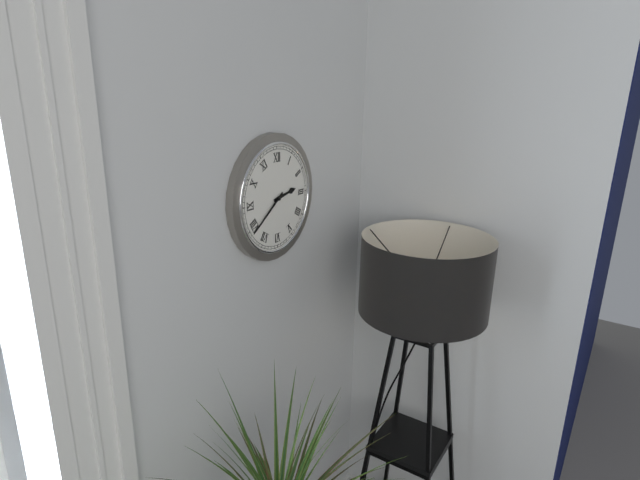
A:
2h39
